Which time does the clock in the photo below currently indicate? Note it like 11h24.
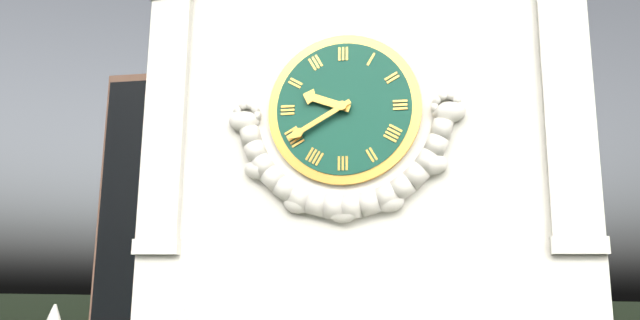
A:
9h40
